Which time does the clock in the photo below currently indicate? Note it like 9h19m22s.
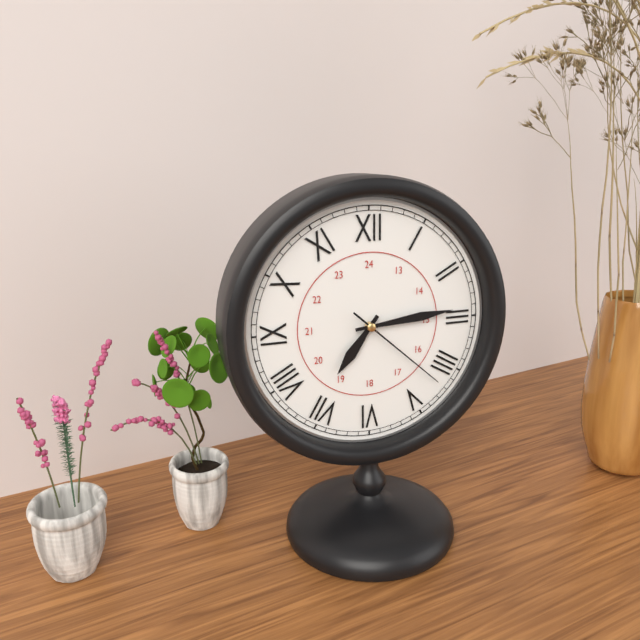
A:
7h14m22s
